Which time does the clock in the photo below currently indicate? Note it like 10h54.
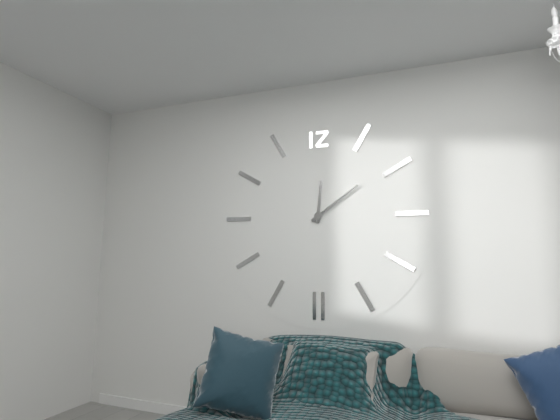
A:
12h09
